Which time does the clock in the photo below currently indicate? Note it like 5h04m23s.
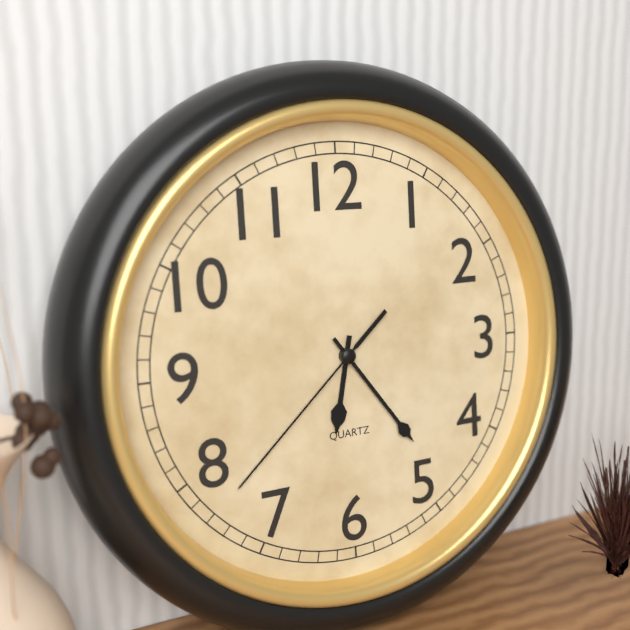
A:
6h24m38s
